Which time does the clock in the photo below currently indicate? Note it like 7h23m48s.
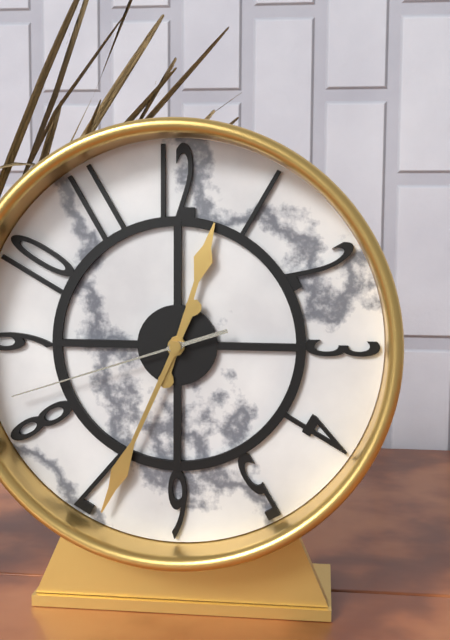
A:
12h34m42s
